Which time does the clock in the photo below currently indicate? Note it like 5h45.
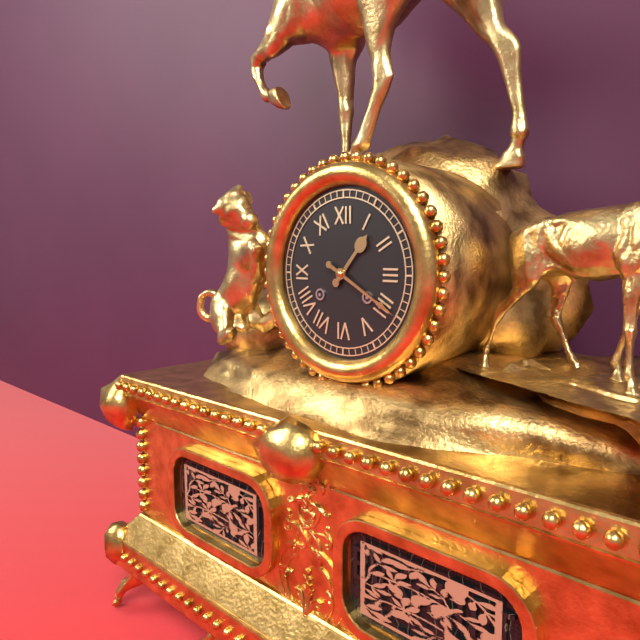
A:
1h20
